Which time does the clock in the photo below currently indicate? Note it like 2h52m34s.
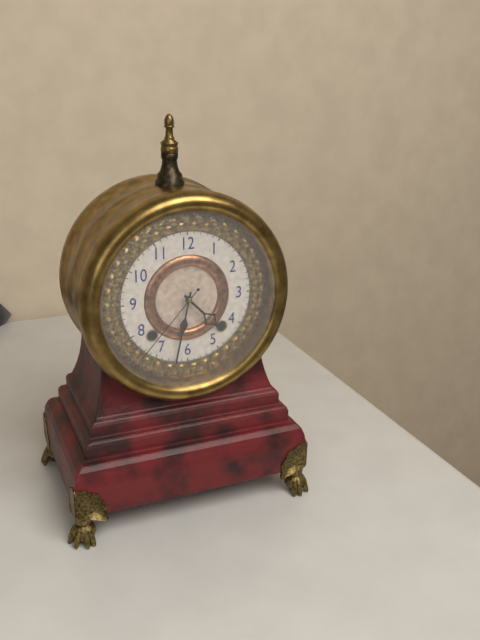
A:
4h32m37s
